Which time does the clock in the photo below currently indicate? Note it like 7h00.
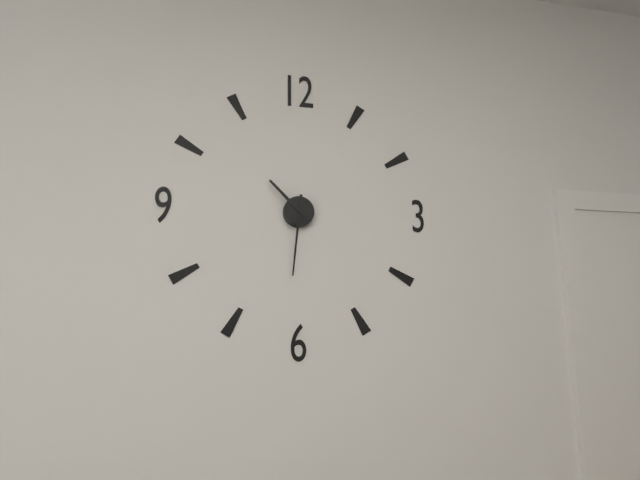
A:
10h31
